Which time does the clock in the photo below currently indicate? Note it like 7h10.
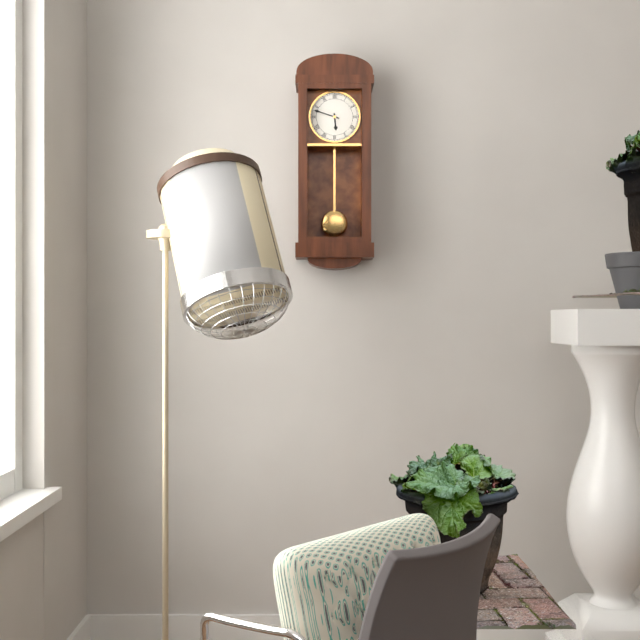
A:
5h48
